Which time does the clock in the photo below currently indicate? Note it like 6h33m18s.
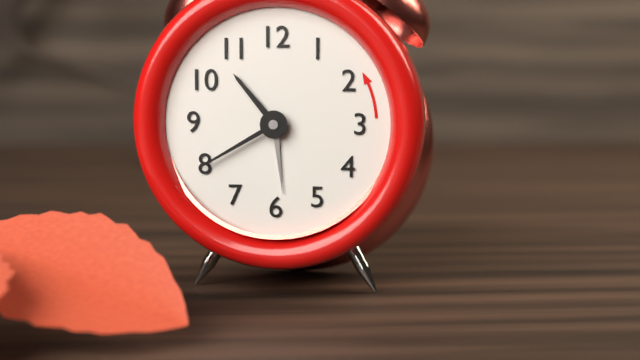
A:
10h40m29s
